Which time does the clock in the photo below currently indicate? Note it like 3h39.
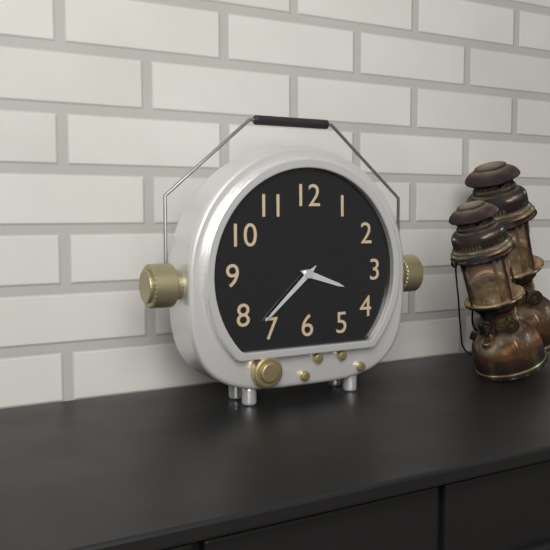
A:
3h38
